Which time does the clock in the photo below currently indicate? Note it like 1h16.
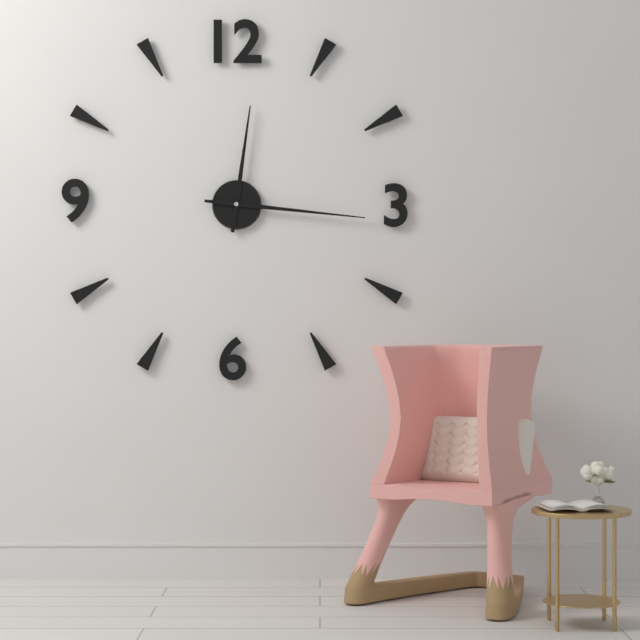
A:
12h16
